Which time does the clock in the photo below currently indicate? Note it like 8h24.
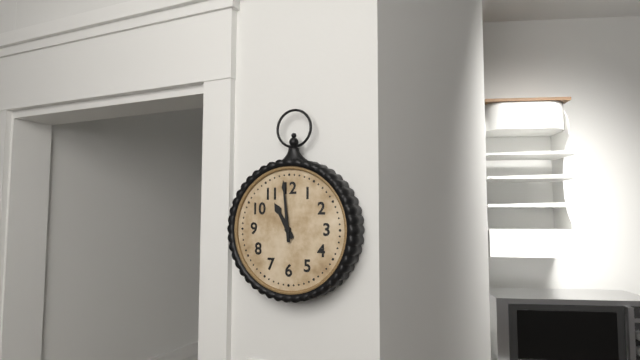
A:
10h59
